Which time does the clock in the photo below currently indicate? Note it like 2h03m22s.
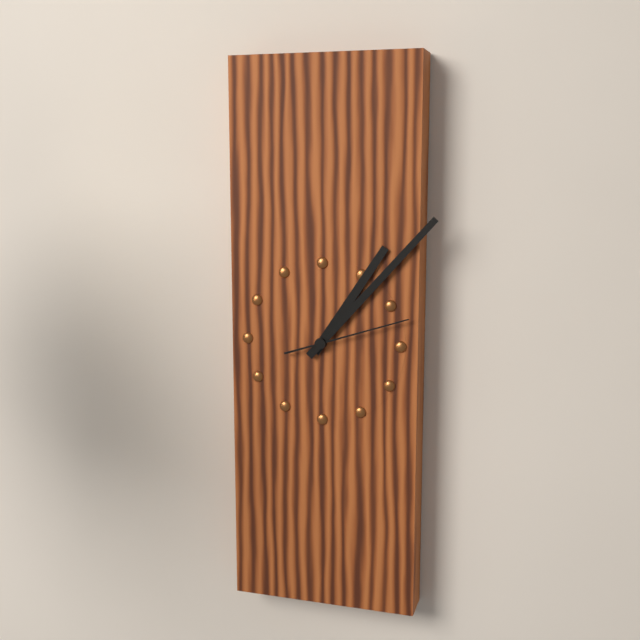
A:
1h07m12s
